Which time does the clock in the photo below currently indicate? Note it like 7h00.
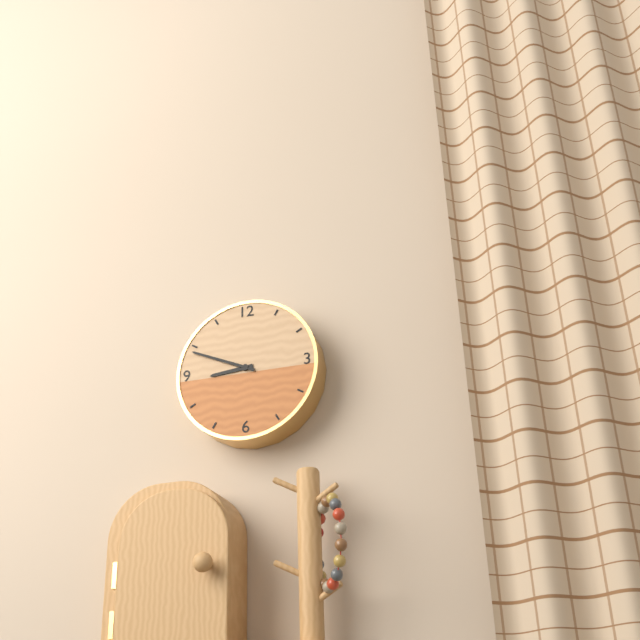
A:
8h49
